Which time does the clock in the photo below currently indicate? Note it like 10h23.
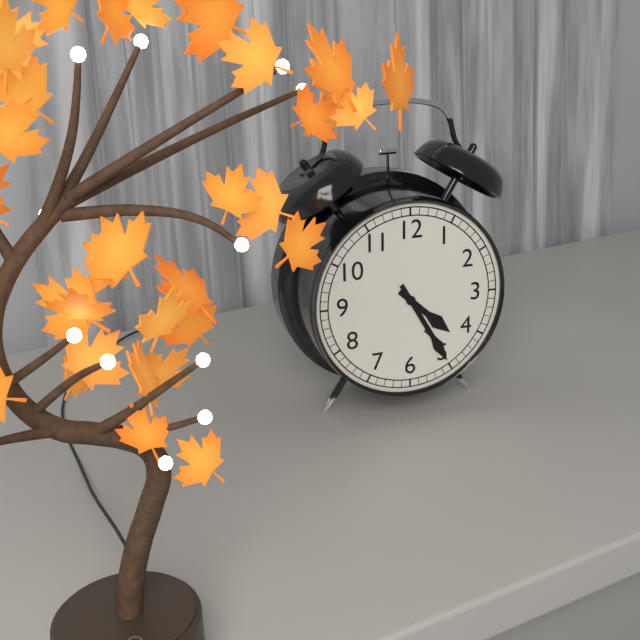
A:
4h25
